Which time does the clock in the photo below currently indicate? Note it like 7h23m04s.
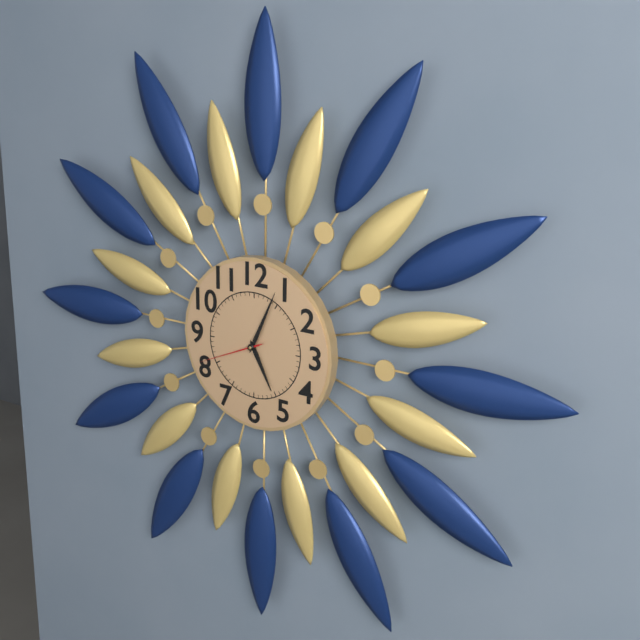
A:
5h04m41s
